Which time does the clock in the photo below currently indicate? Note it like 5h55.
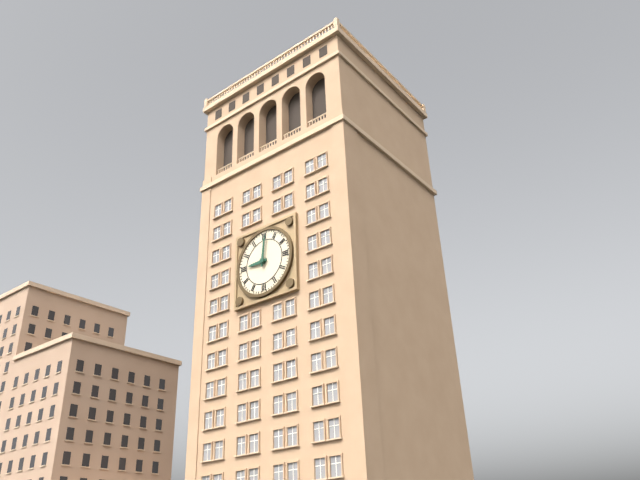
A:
9h01
